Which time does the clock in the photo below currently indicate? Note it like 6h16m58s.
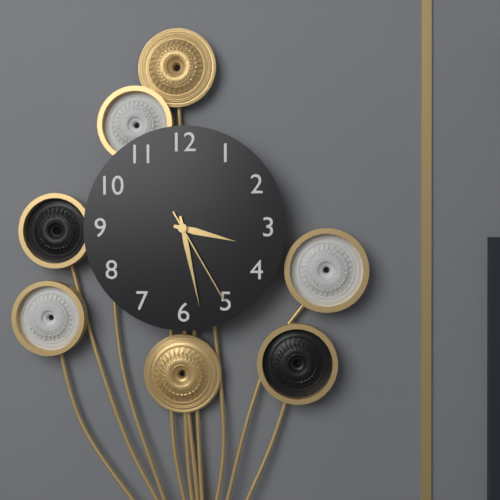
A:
3h28m25s
